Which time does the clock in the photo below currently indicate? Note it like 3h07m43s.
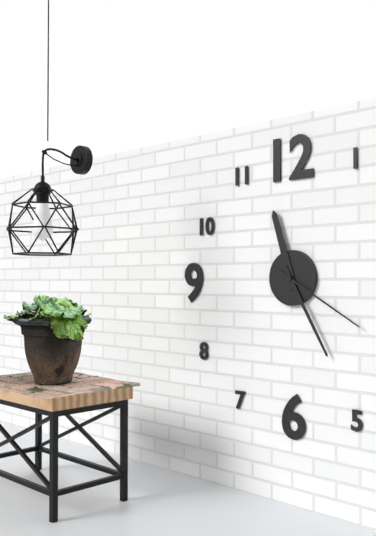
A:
11h25m20s
